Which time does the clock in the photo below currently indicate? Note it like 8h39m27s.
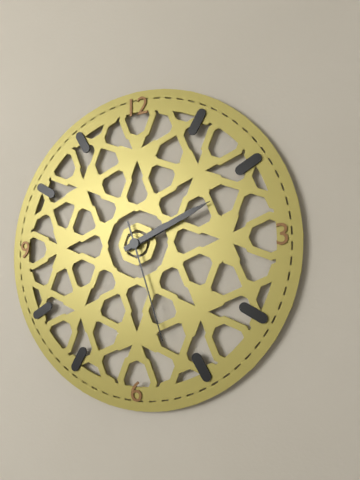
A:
2h11m27s
